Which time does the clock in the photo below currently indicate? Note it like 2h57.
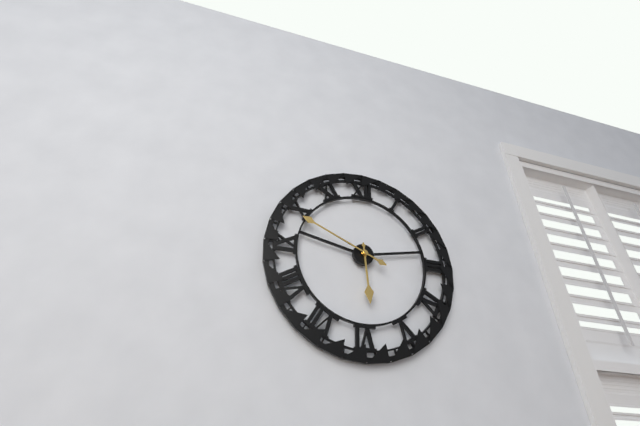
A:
5h49
